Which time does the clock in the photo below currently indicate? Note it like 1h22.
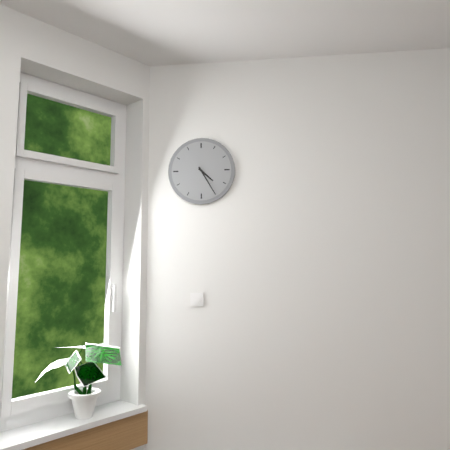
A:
4h25
